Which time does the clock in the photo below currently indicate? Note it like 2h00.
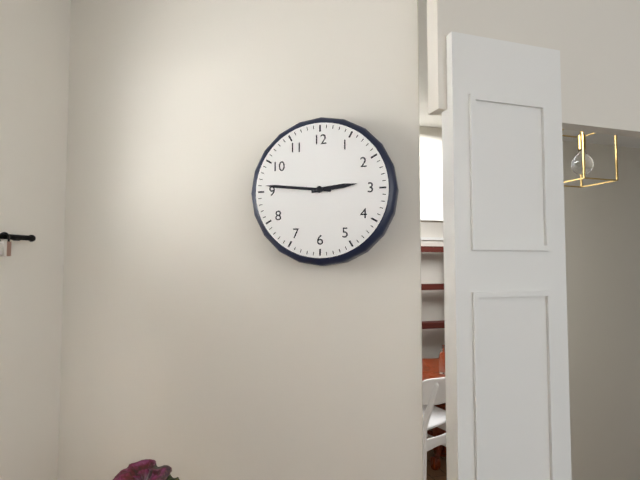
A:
2h46
